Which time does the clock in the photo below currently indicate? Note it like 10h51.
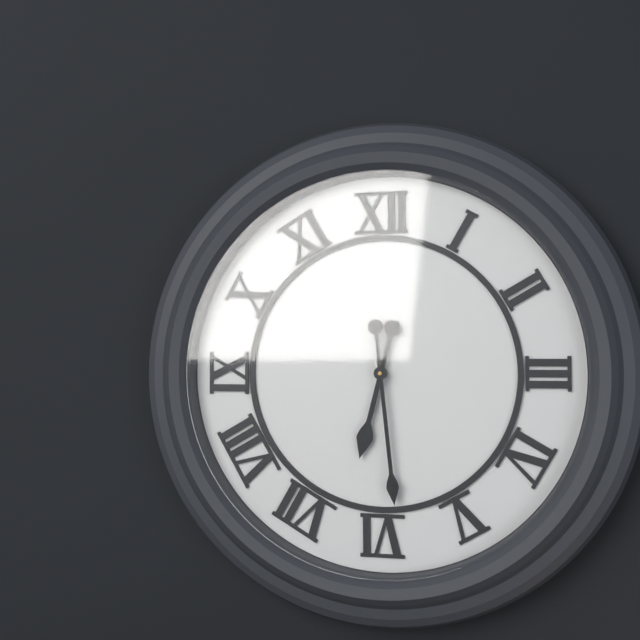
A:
6h29
